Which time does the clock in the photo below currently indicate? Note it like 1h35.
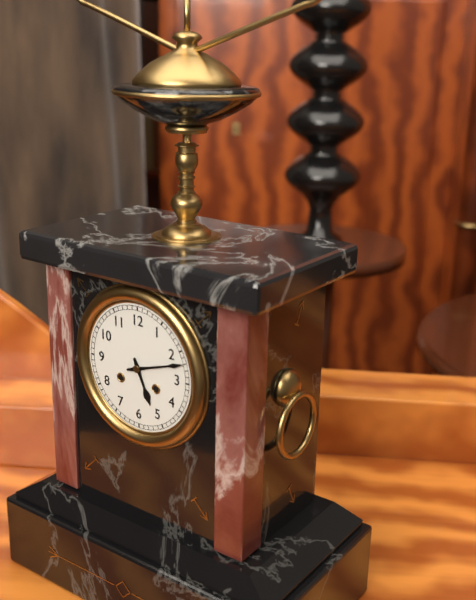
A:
5h12
